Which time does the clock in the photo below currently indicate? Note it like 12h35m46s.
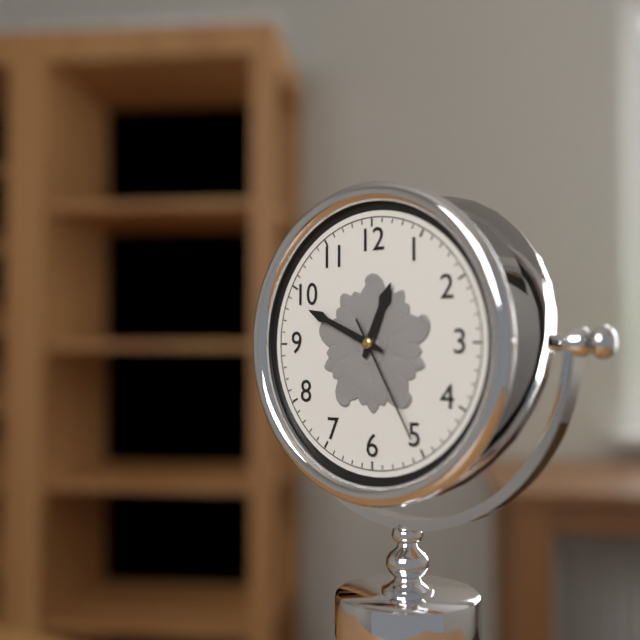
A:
12h49m25s
